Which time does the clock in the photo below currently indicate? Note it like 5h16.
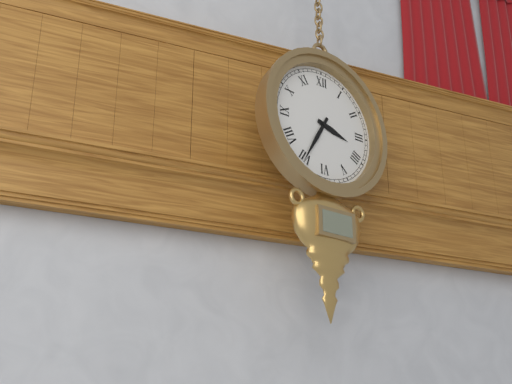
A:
3h35
